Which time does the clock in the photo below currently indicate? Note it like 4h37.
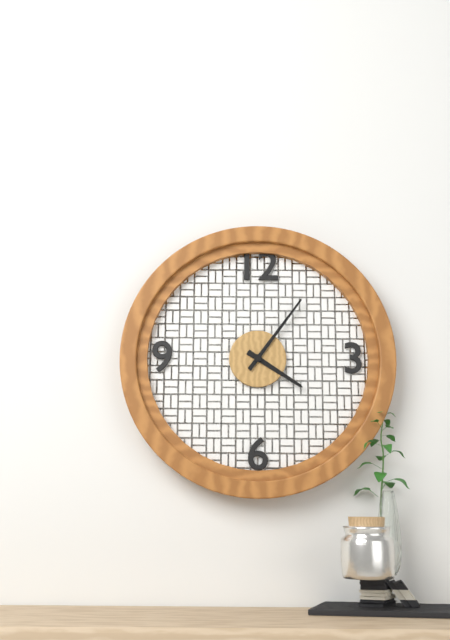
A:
4h06
